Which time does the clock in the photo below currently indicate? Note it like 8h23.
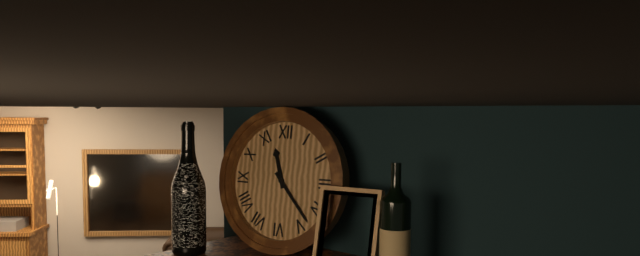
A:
11h23
